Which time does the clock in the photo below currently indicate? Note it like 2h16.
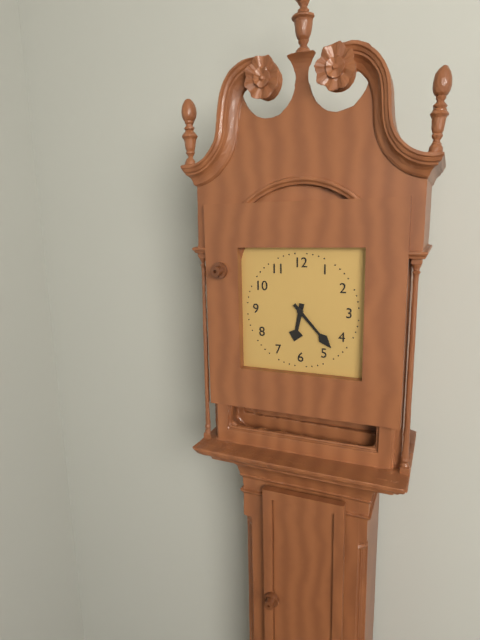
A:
6h23
